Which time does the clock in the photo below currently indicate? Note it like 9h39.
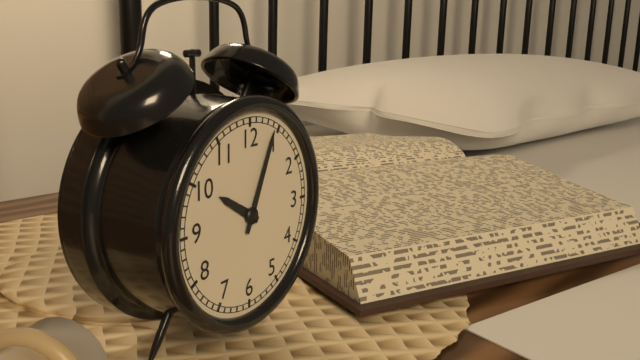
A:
10h04
